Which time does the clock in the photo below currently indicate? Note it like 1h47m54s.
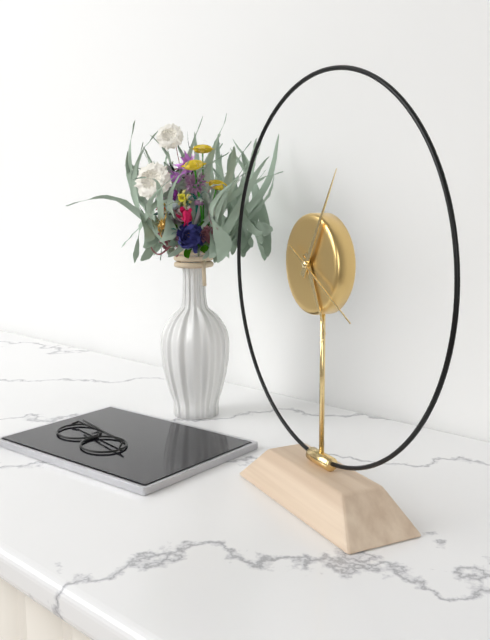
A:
5h05m20s
